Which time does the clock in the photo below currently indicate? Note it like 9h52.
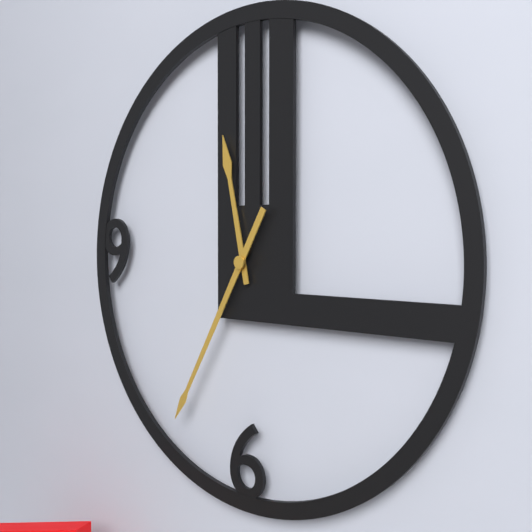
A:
11h35
